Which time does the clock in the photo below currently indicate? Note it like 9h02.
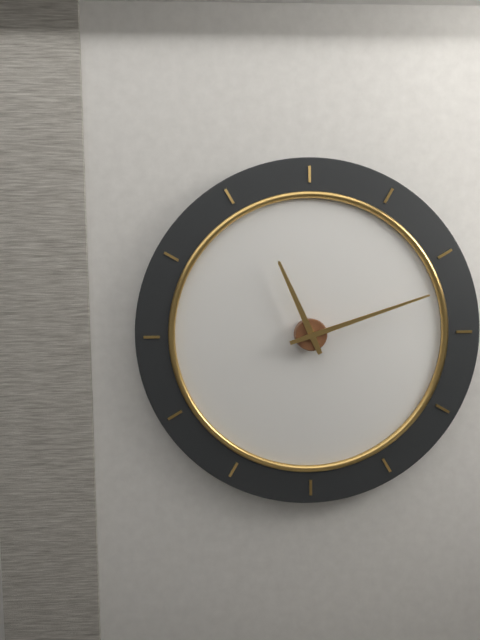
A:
11h12
